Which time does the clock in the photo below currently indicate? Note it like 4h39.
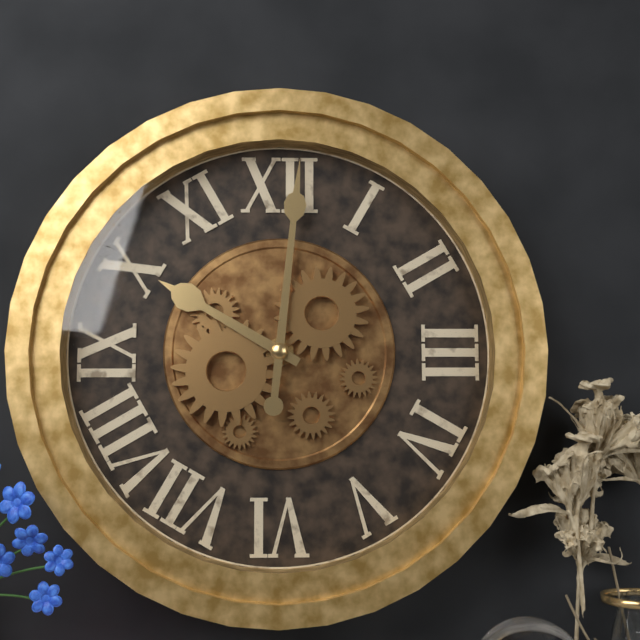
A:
10h01
